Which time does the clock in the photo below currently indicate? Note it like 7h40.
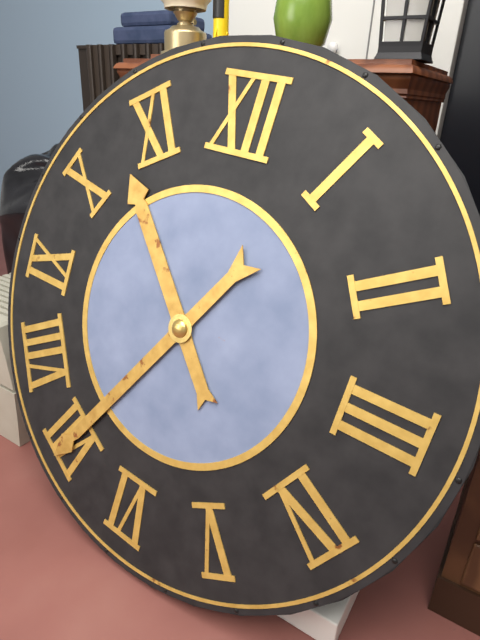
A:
10h35
